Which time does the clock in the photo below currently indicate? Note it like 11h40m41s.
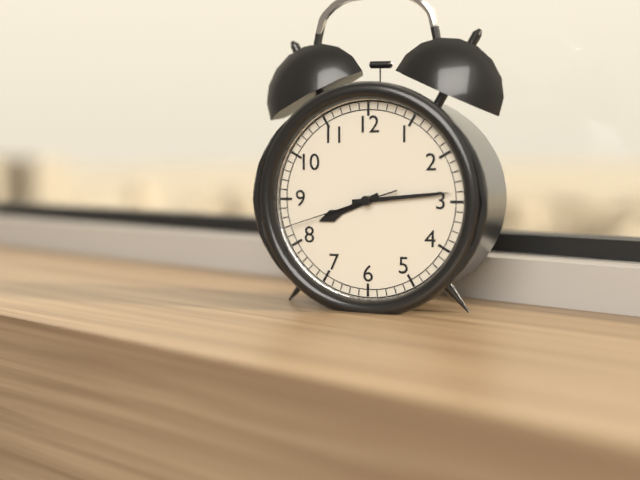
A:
8h14m42s
